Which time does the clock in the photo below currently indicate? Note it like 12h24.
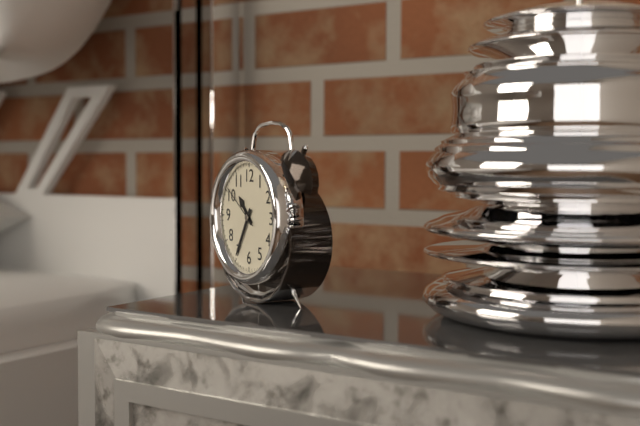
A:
10h35
